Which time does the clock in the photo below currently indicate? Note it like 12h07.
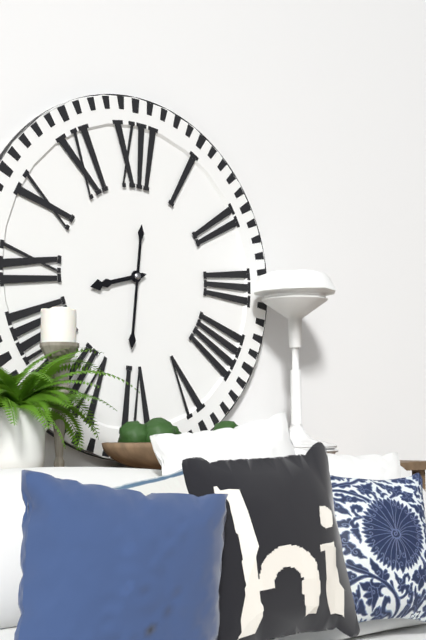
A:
8h31
